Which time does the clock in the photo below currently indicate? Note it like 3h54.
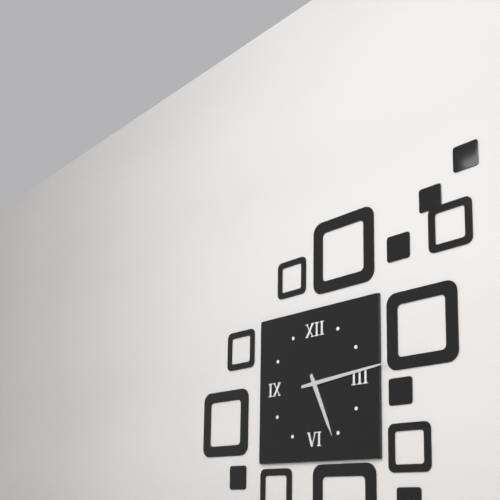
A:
5h14
